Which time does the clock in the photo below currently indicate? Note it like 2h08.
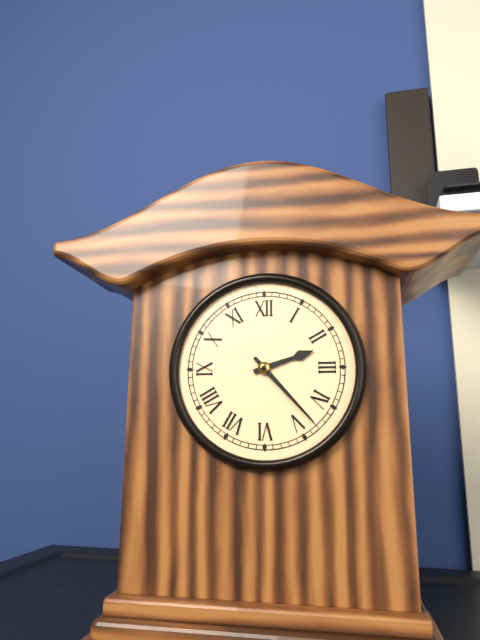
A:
2h23
